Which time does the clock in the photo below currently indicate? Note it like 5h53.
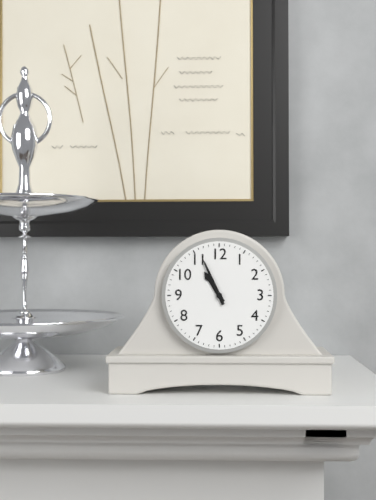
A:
10h56
